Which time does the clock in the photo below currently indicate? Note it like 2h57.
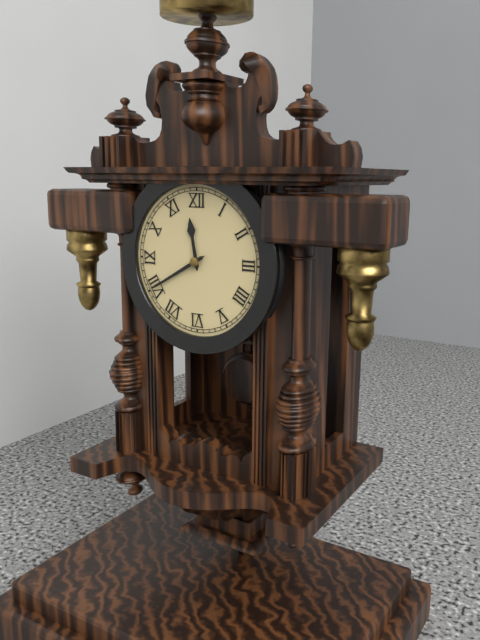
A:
11h40
